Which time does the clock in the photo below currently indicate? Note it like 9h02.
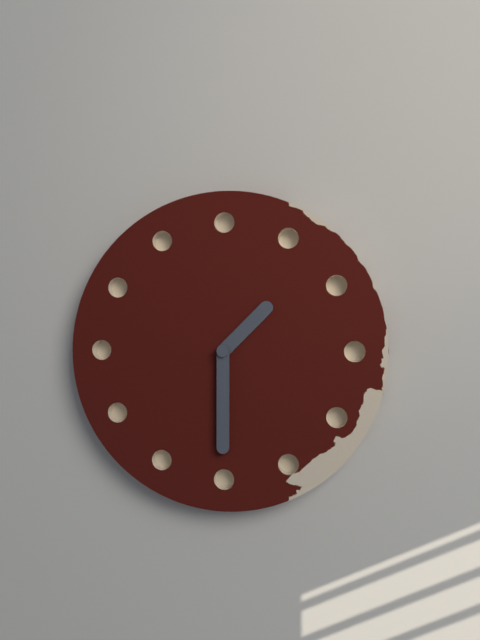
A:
1h30
